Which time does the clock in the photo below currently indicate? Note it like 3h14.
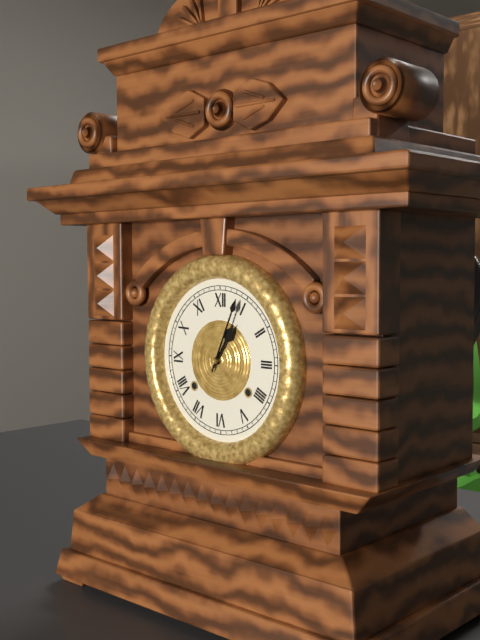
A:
1h04
